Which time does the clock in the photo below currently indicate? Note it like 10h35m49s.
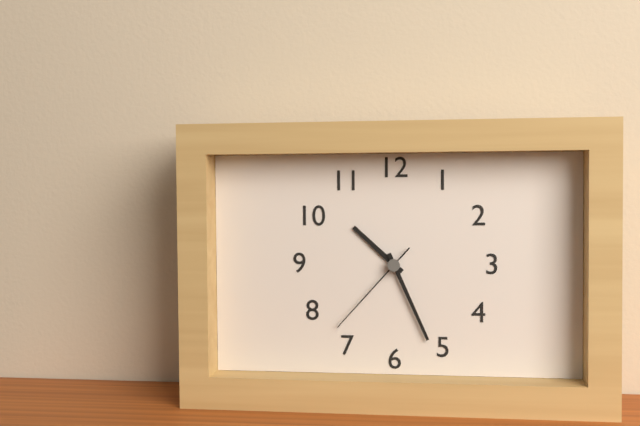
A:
10h26m37s
